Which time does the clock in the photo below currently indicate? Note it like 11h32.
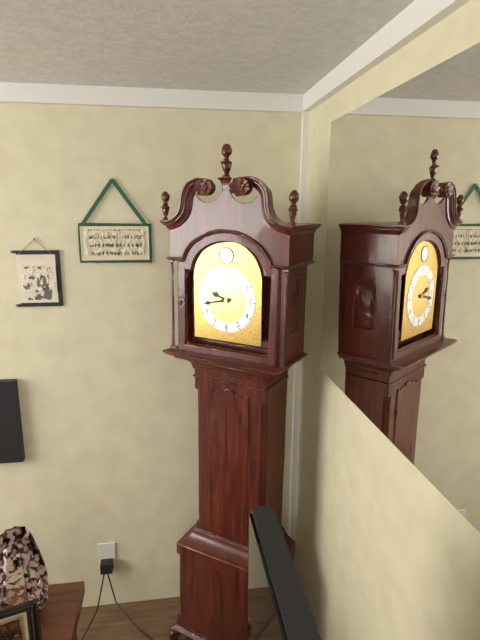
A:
9h43
